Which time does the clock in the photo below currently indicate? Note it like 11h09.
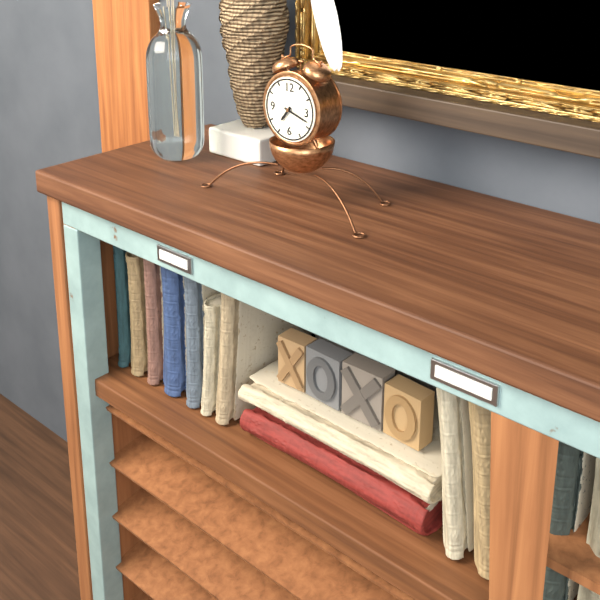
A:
7h18
